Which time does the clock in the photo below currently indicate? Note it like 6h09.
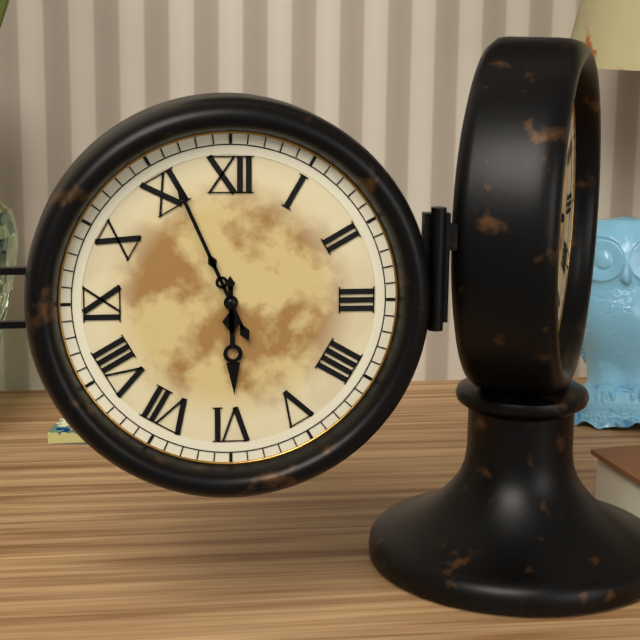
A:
5h56
